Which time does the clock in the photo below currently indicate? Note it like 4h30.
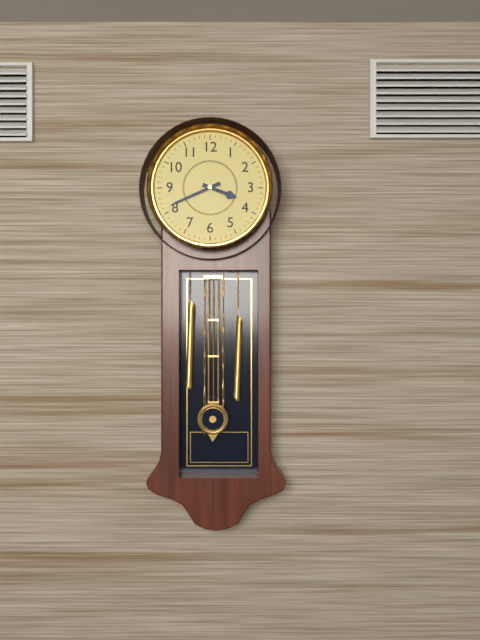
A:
3h41
